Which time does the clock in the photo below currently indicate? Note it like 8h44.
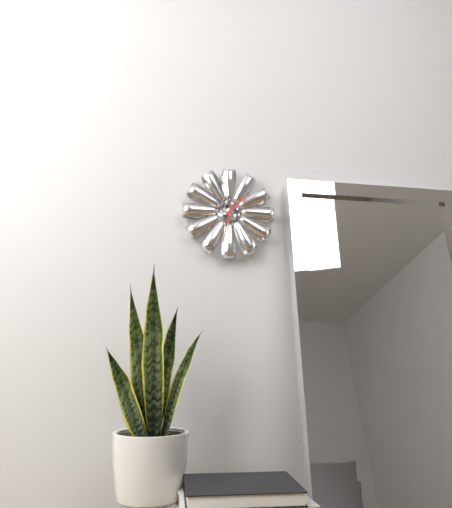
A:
1h32
